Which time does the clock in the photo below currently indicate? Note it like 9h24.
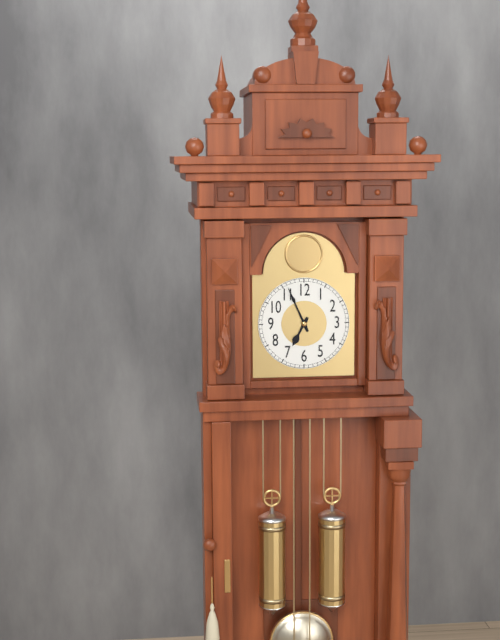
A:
6h56
